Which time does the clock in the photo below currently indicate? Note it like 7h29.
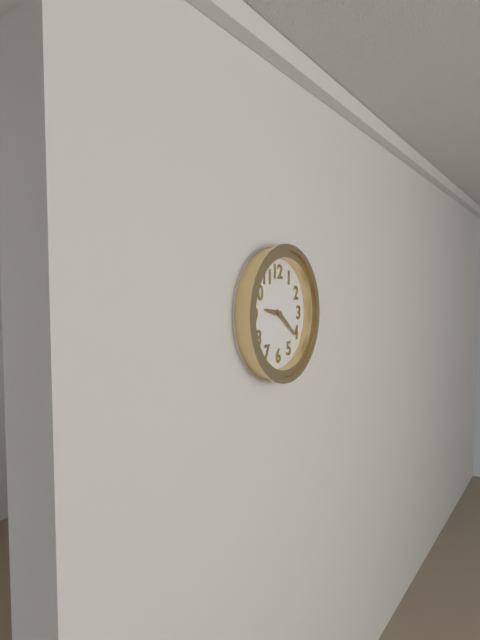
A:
9h21
